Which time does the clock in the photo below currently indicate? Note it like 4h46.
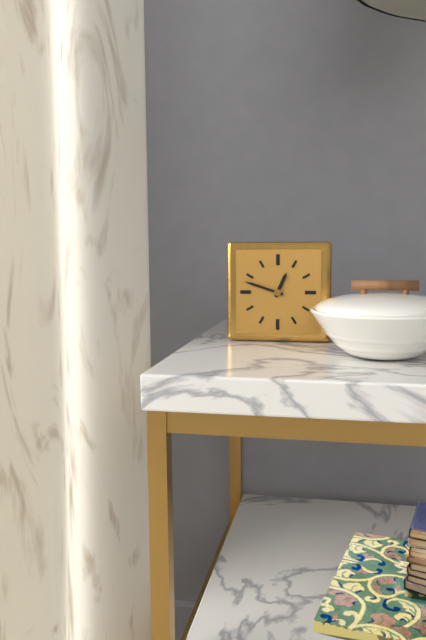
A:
12h48
